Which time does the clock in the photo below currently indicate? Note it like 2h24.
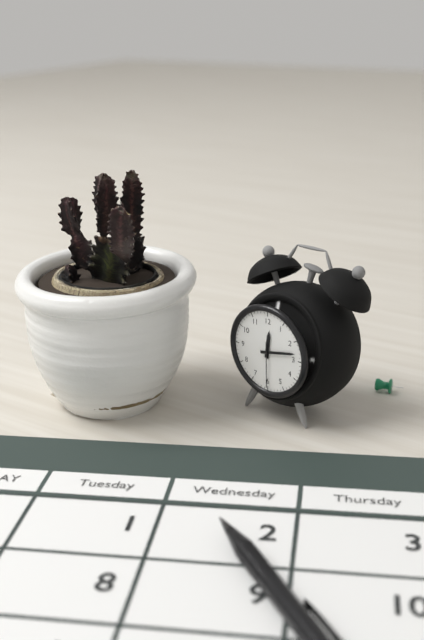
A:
12h13
